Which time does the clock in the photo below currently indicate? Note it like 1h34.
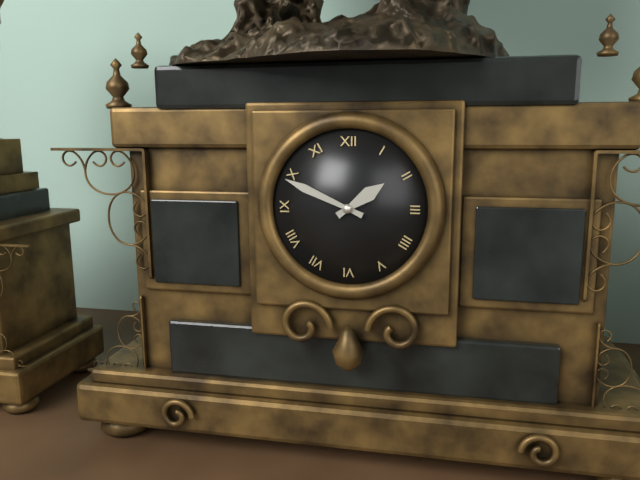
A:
1h49
